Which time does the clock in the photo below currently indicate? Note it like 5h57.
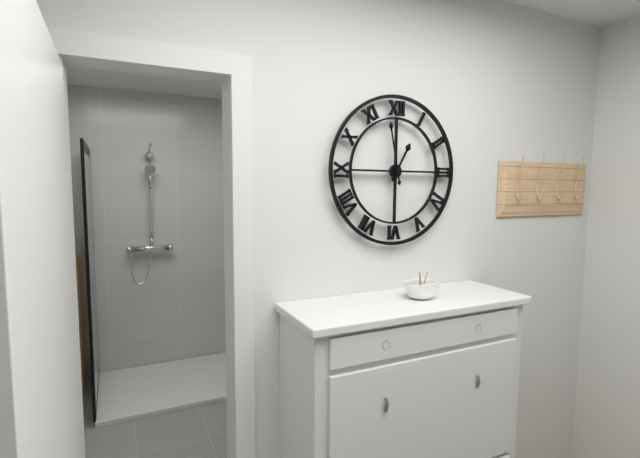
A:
12h58
